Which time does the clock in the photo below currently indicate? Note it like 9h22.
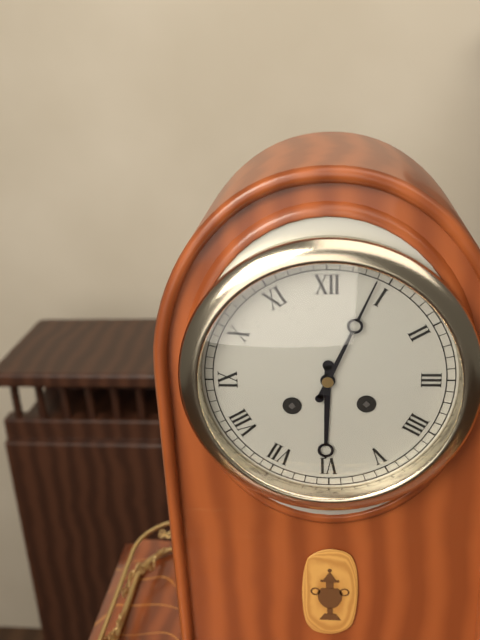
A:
6h04
